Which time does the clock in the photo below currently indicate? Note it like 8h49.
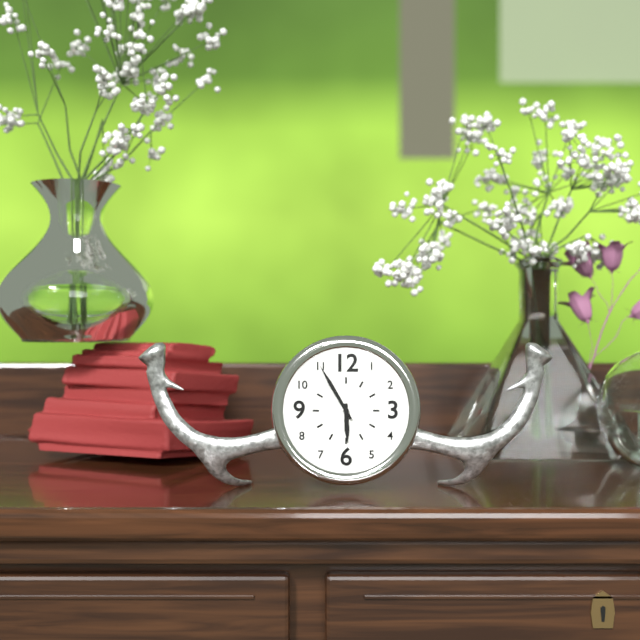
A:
5h55
